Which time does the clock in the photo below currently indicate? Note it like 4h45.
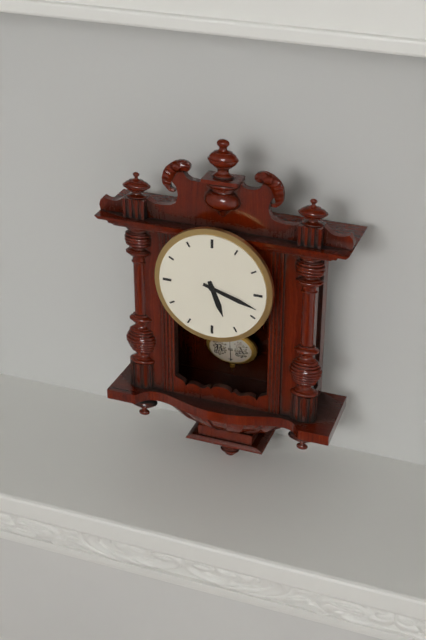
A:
5h18
